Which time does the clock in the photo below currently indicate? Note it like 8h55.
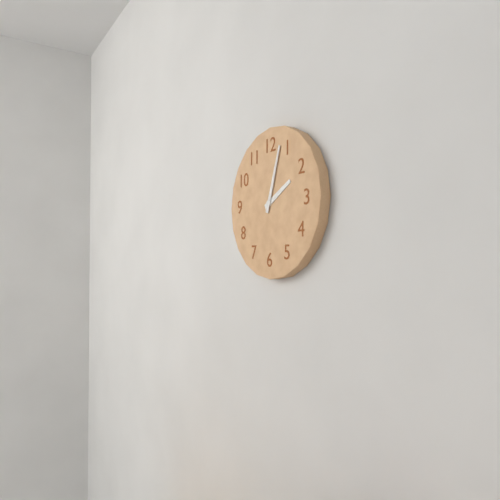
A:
2h03
